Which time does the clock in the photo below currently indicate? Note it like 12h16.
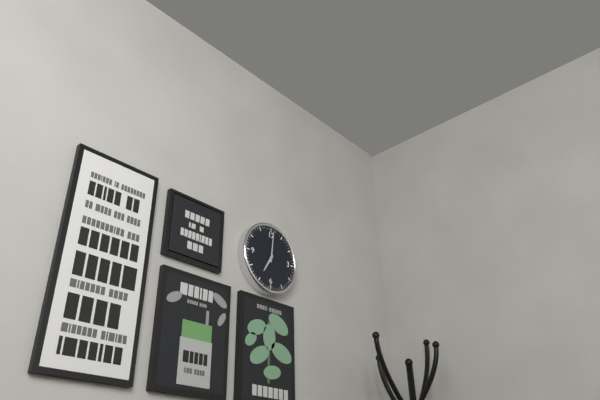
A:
7h01
